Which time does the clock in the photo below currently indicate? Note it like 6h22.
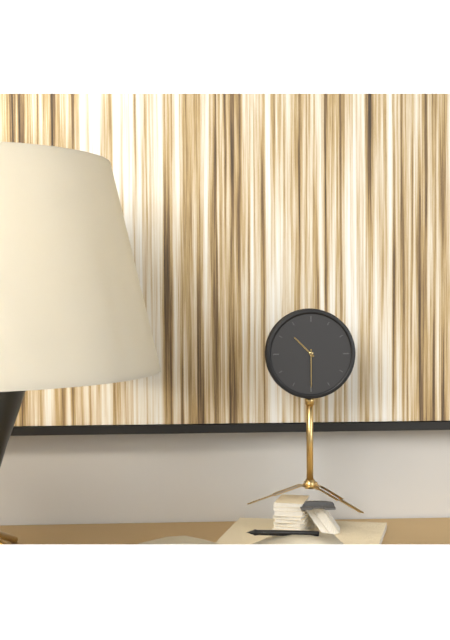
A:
10h30
